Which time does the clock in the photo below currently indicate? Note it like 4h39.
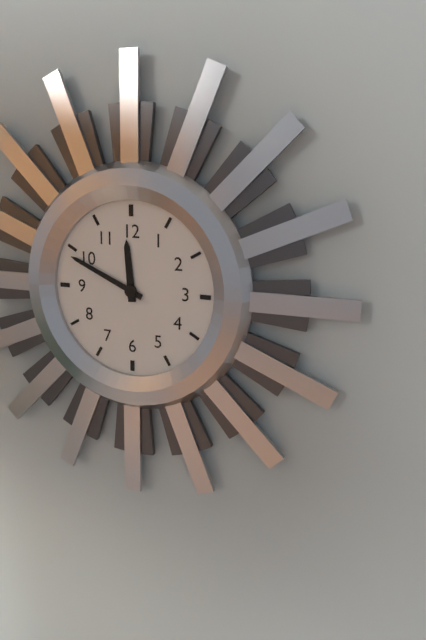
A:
11h49
